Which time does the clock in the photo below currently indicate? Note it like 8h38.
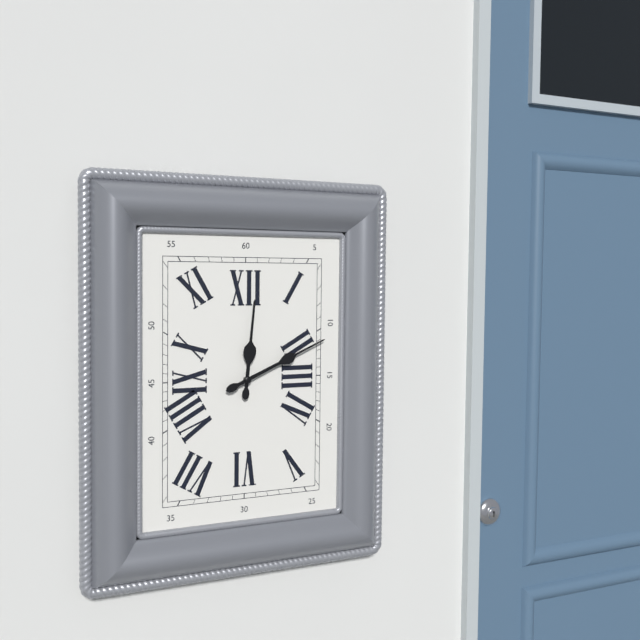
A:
12h11
